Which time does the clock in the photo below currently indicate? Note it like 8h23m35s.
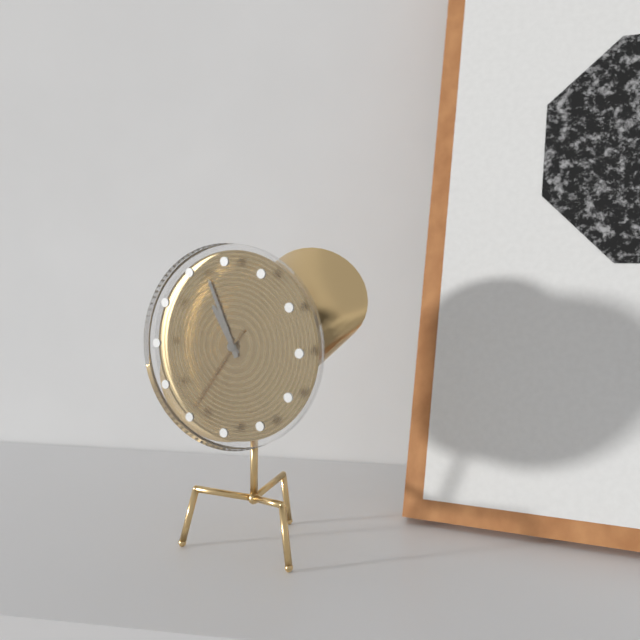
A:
10h56m36s
